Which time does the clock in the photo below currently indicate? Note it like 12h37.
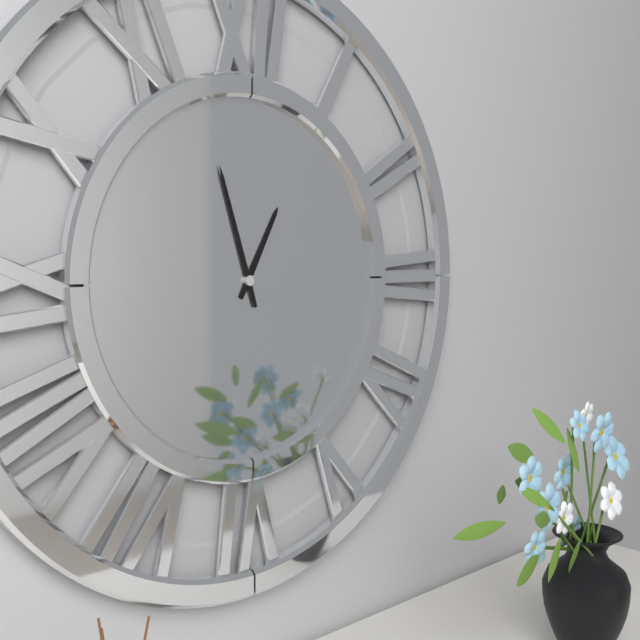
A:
12h57
